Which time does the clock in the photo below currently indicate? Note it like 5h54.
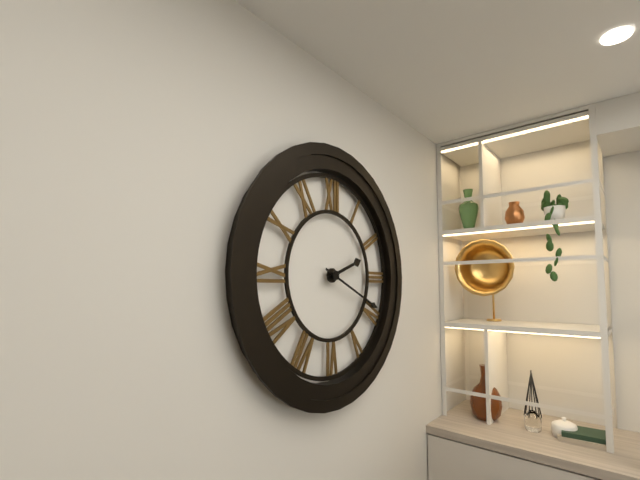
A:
2h19
